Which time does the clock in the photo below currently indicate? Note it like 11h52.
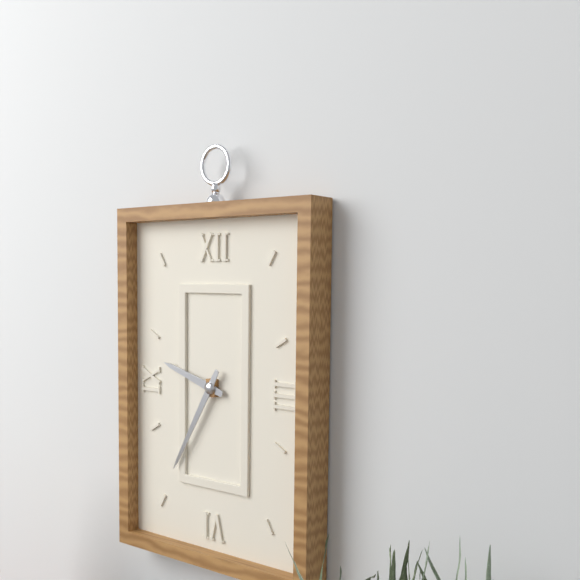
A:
9h35
